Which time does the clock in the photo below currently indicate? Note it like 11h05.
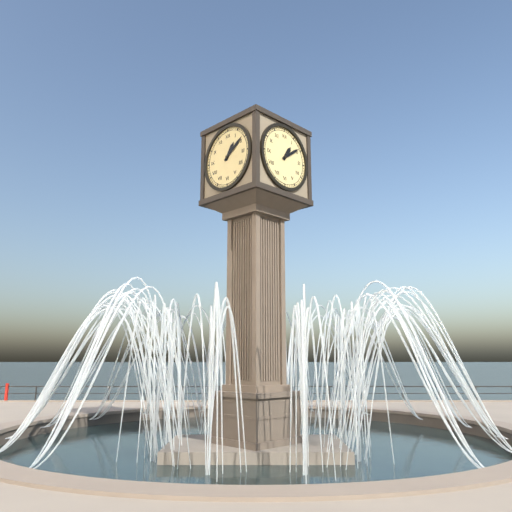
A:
1h09
